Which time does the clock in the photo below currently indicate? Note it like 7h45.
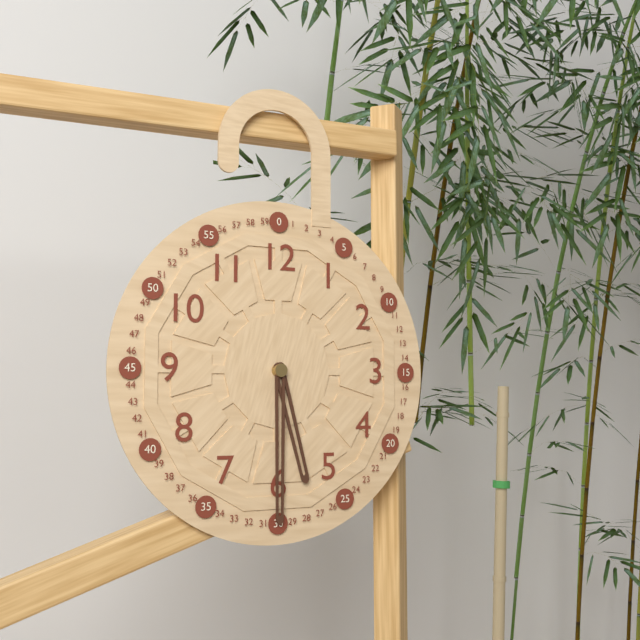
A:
5h30
